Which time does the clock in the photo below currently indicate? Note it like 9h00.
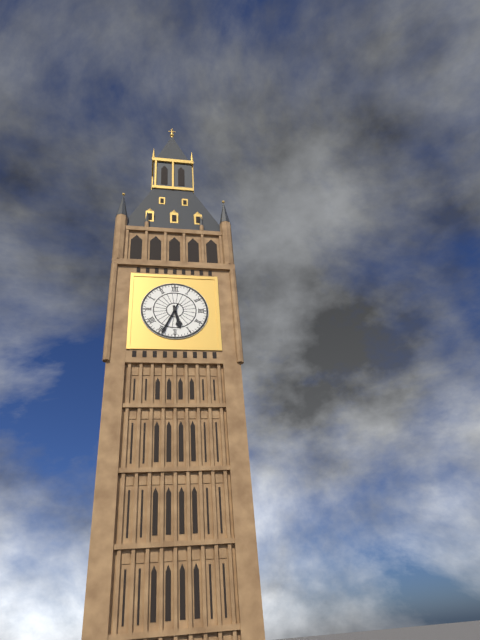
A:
5h34
